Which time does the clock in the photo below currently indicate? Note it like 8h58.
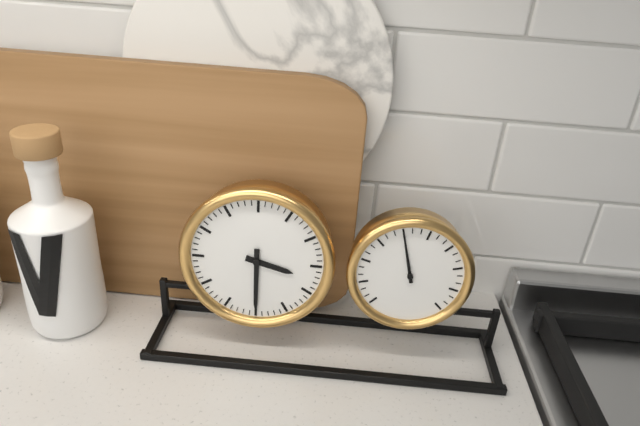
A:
3h30
